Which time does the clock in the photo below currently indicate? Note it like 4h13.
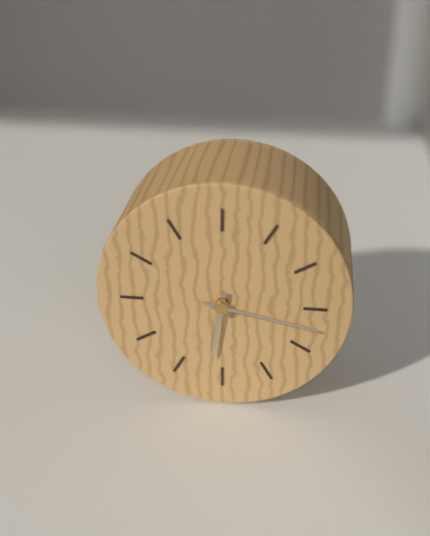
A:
6h17
